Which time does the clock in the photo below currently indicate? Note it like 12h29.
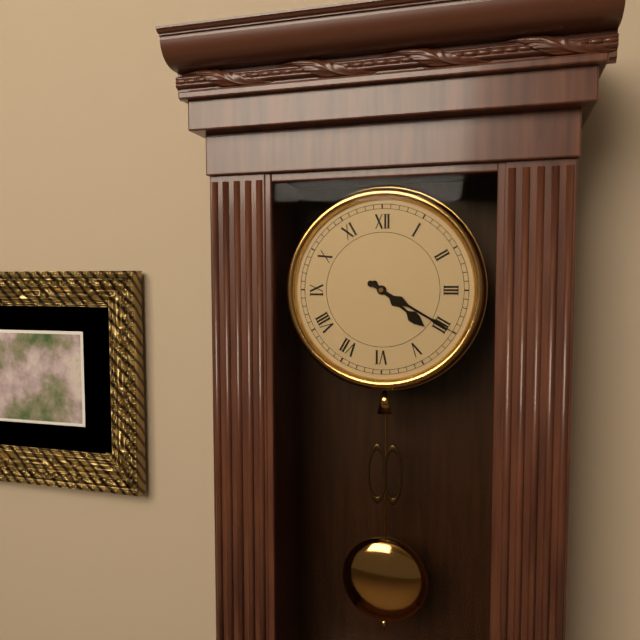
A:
4h20
